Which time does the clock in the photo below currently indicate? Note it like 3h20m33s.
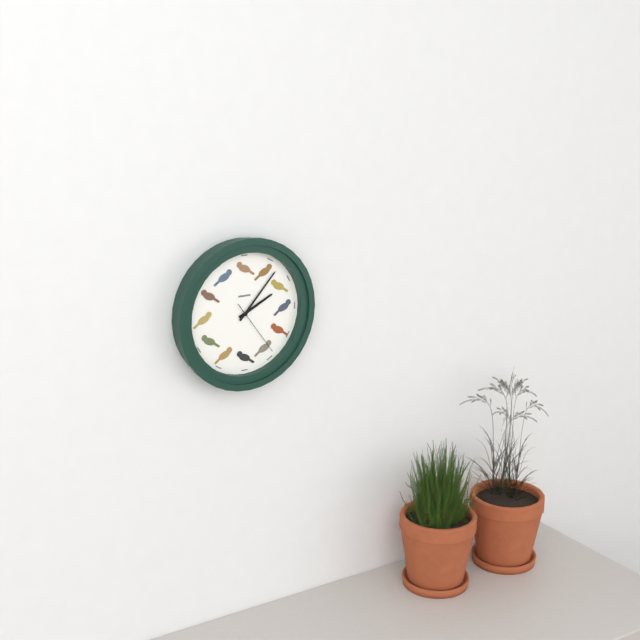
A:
2h07m24s
